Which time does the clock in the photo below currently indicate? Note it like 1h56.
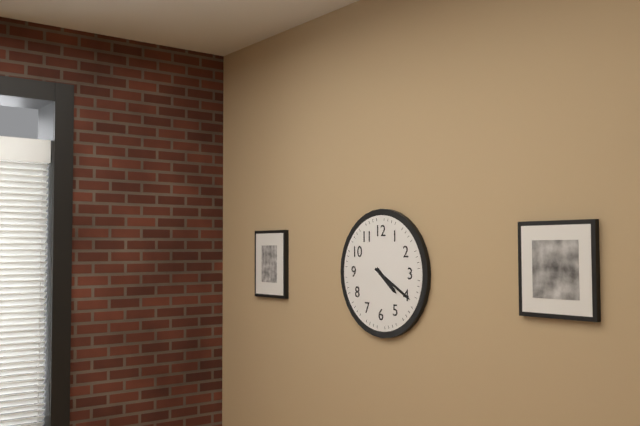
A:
4h20
